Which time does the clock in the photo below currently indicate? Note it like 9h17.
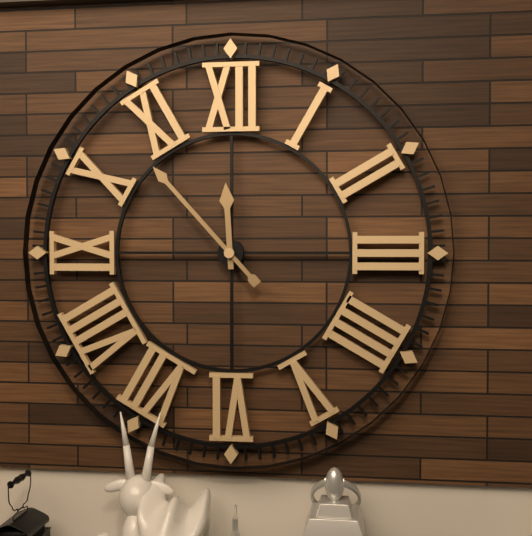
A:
11h53
